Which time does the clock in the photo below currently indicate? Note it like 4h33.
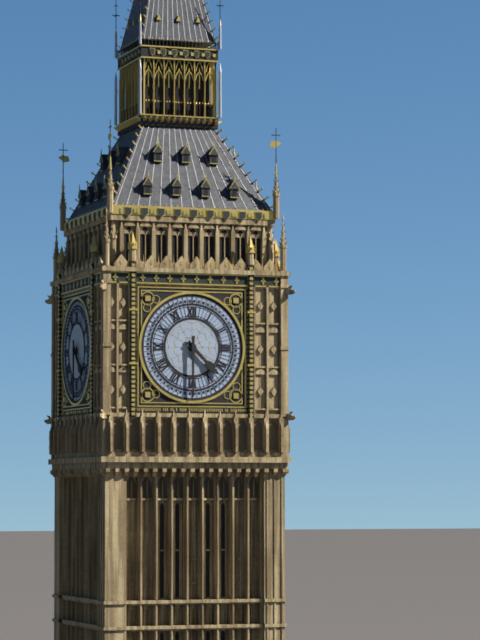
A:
4h30
